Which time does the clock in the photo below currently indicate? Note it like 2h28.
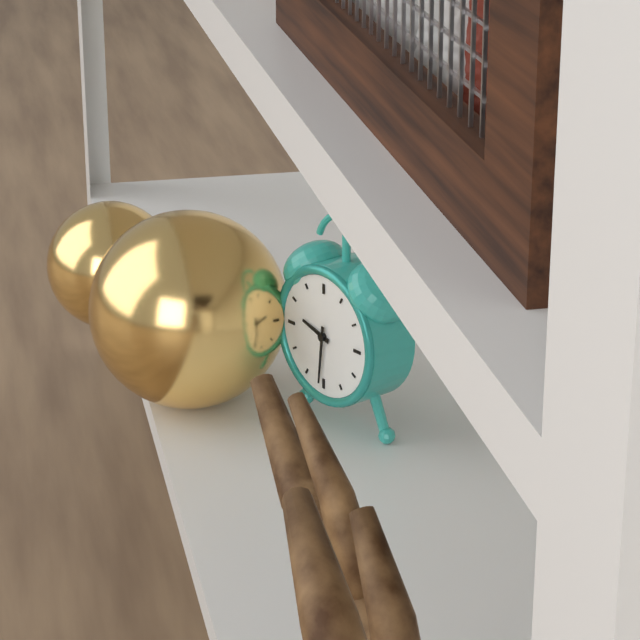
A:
9h31
